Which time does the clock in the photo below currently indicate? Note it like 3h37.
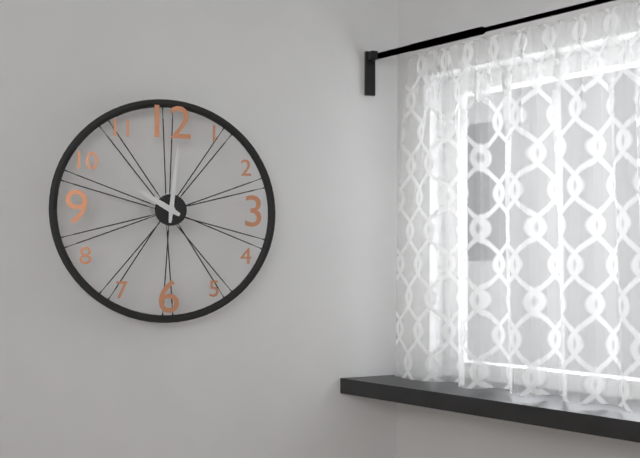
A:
10h01
